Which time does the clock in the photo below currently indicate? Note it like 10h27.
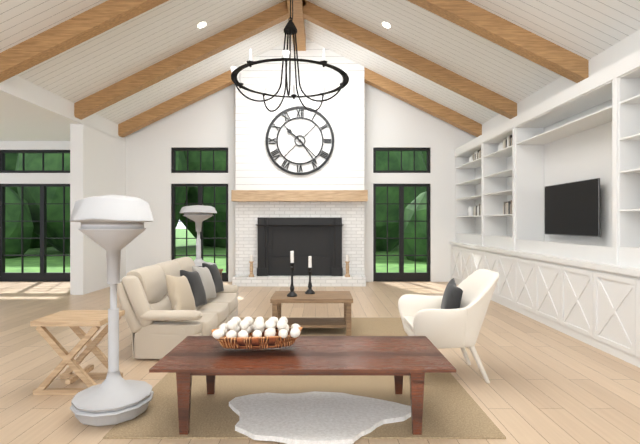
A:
10h24
